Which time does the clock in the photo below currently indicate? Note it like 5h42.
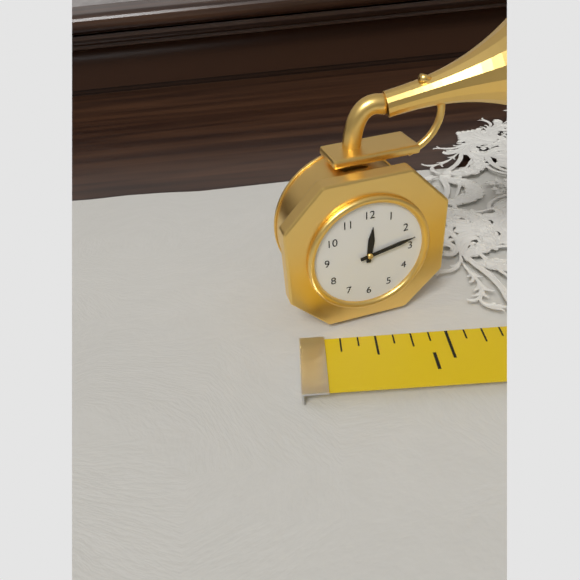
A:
12h13
